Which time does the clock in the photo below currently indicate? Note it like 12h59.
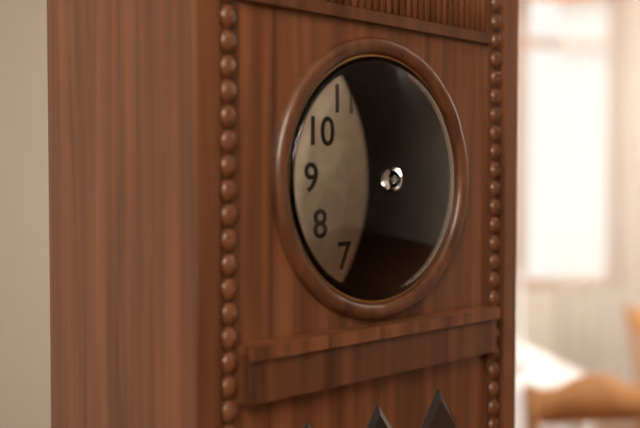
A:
4h28
